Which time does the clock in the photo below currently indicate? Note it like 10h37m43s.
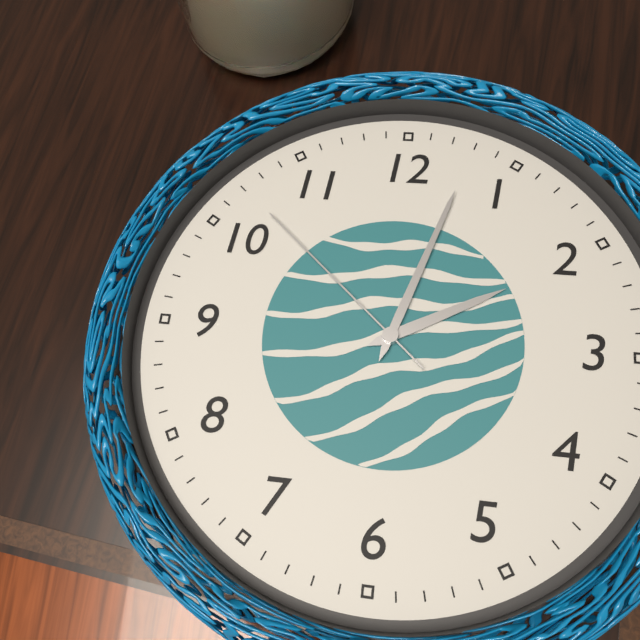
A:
2h03m52s
